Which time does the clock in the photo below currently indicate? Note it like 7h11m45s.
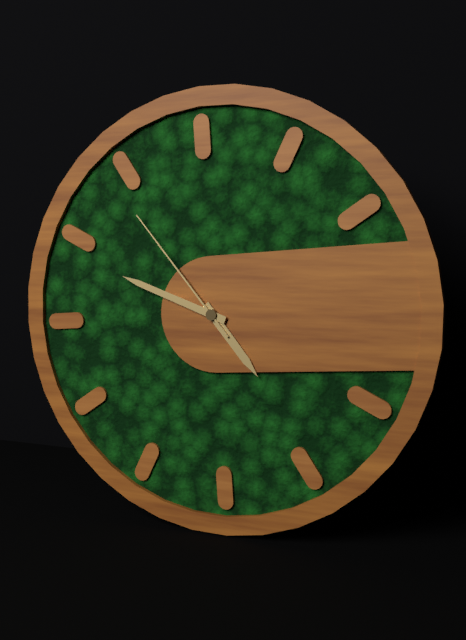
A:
4h49m54s
